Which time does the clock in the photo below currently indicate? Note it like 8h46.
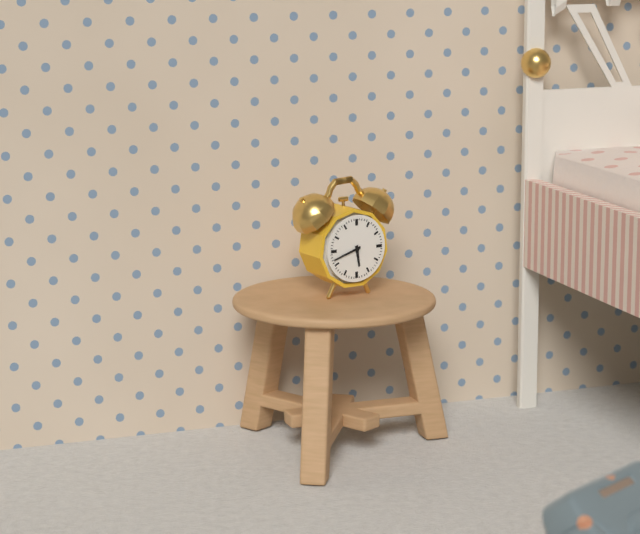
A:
5h42
